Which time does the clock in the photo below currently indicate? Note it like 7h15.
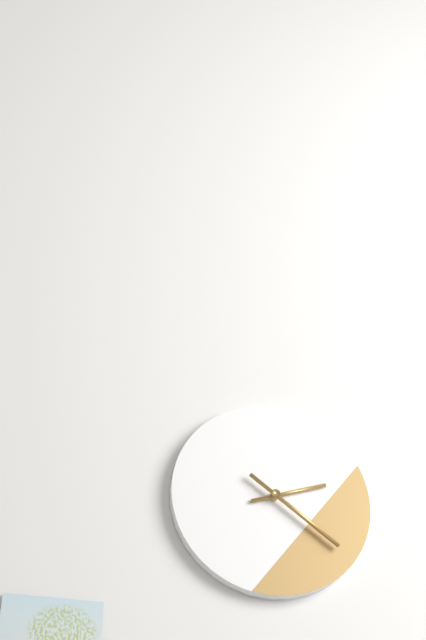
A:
2h21
